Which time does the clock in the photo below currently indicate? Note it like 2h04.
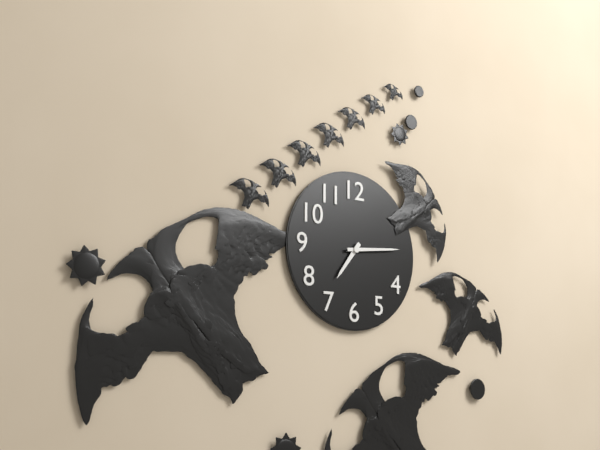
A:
7h14
